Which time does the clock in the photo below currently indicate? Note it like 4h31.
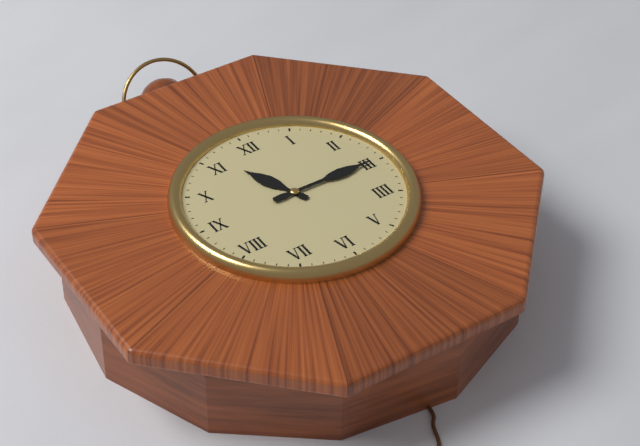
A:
11h15
